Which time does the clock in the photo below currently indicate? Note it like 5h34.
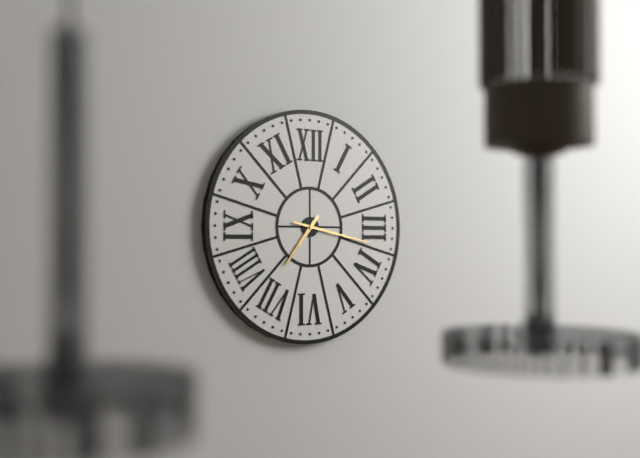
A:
7h17
